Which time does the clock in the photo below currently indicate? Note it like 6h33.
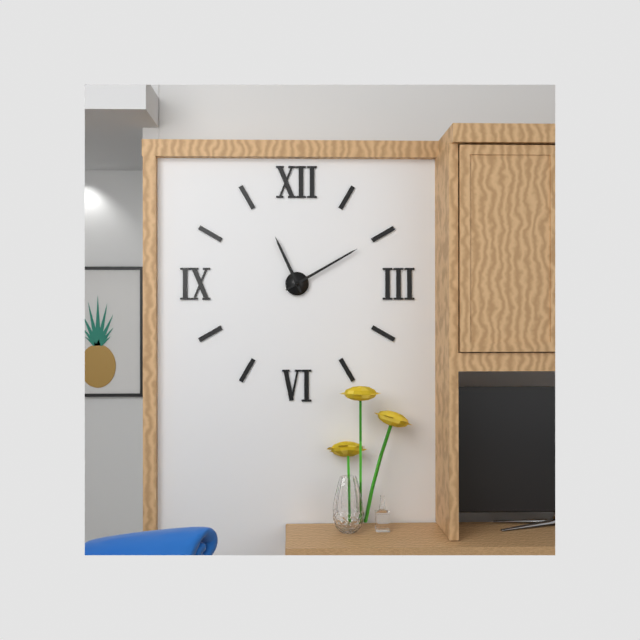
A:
11h10
